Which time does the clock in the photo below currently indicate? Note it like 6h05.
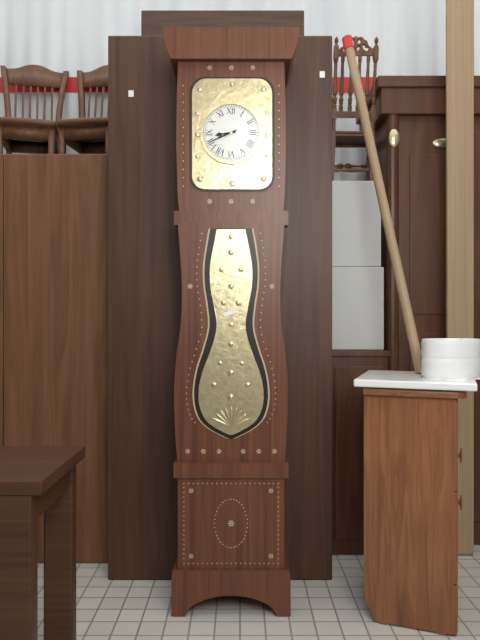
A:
8h41
